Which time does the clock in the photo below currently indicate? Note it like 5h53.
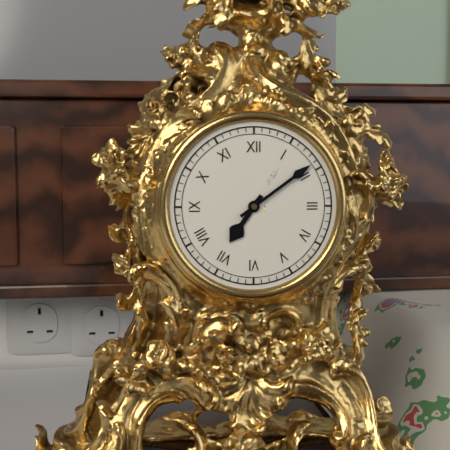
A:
7h09
